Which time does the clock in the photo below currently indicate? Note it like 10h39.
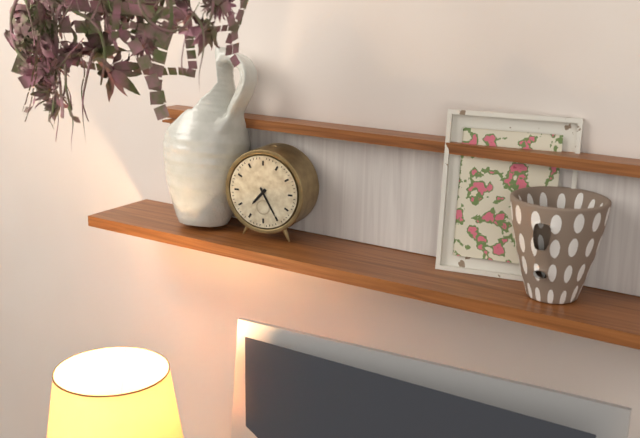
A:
7h25
